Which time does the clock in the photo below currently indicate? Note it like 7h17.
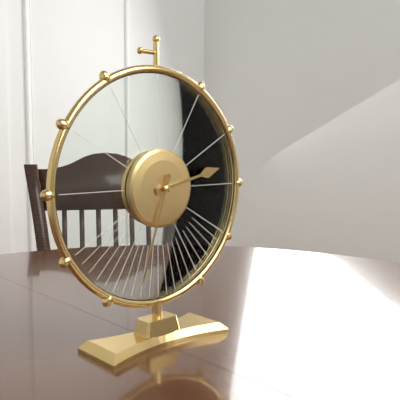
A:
2h33
